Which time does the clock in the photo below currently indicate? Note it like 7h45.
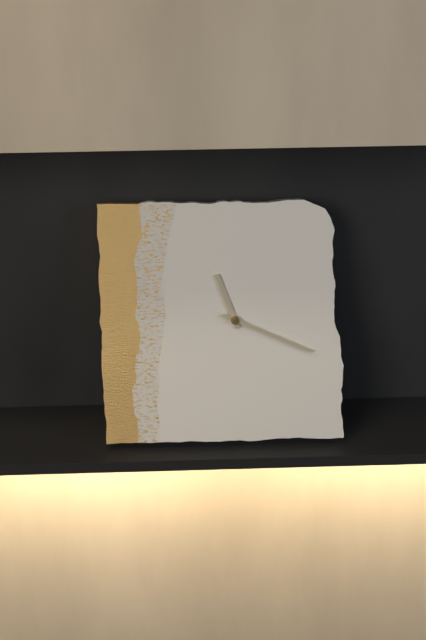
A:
11h19
